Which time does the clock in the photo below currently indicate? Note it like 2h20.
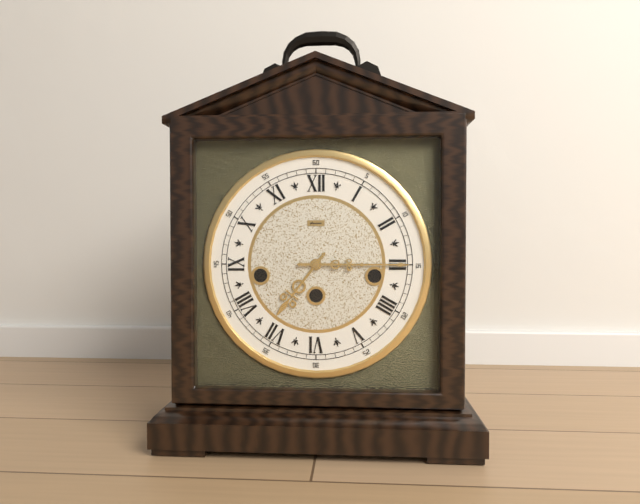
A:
7h15
